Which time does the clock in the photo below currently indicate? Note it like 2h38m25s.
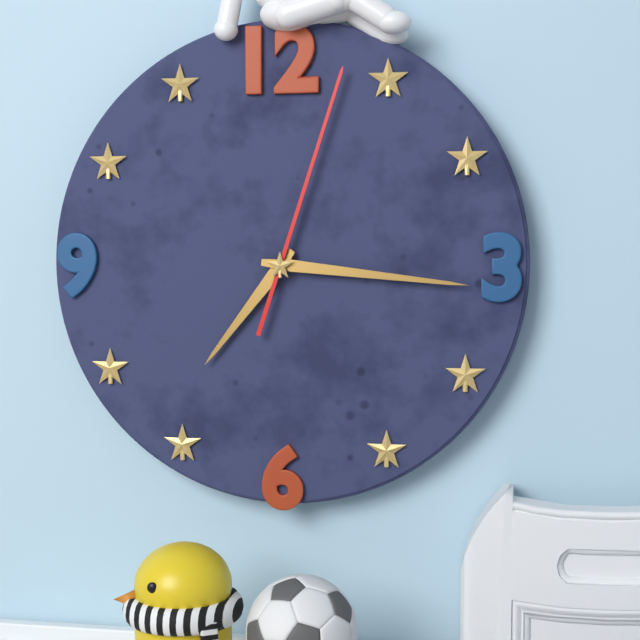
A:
7h16m03s
